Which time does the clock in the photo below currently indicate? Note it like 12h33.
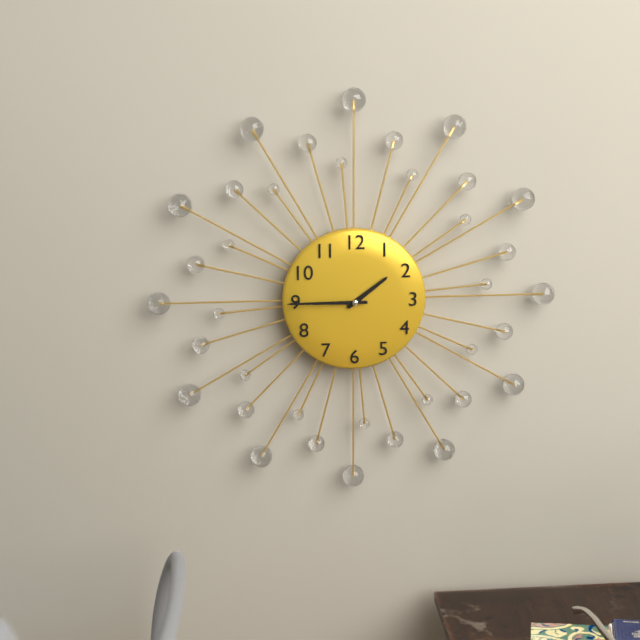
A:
1h45
